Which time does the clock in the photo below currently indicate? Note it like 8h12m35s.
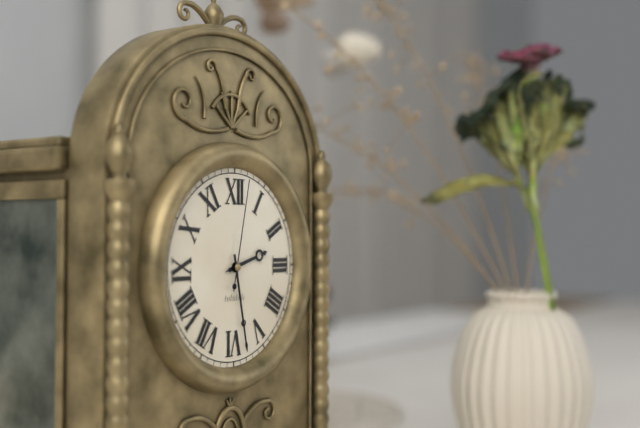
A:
2h28m02s
